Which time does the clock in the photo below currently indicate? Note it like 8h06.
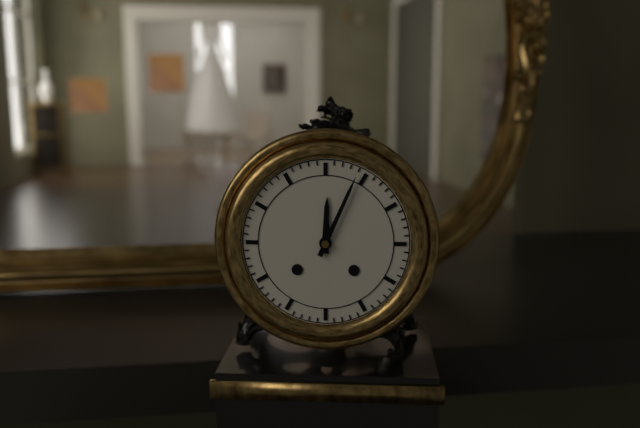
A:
12h04
